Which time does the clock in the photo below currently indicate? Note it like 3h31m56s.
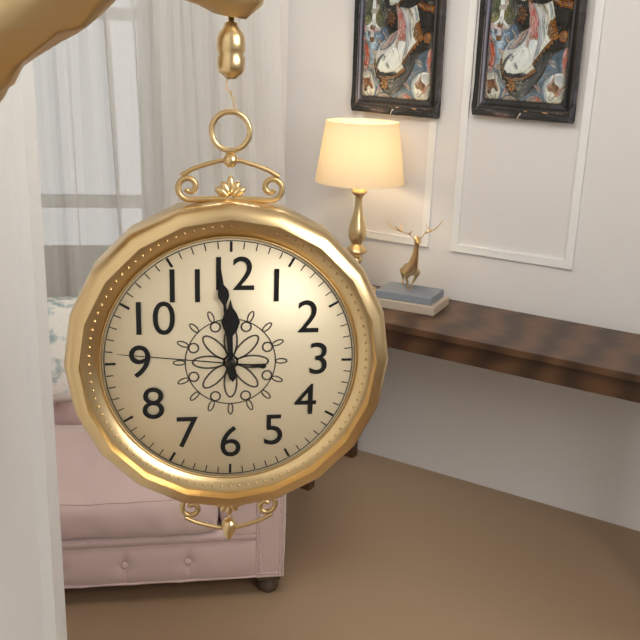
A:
11h59m46s
